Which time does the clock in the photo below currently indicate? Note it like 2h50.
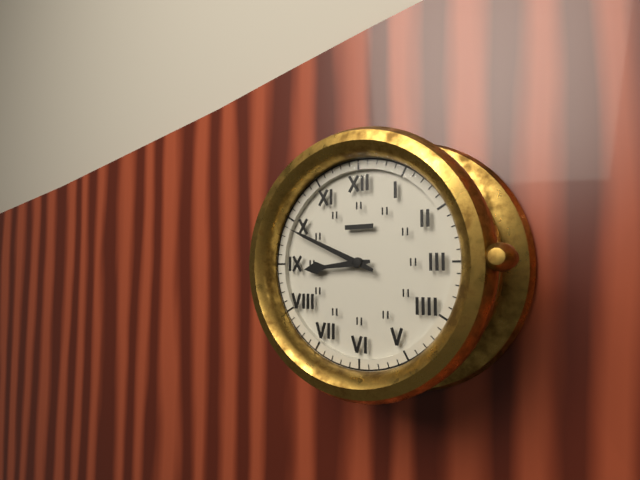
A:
8h49
